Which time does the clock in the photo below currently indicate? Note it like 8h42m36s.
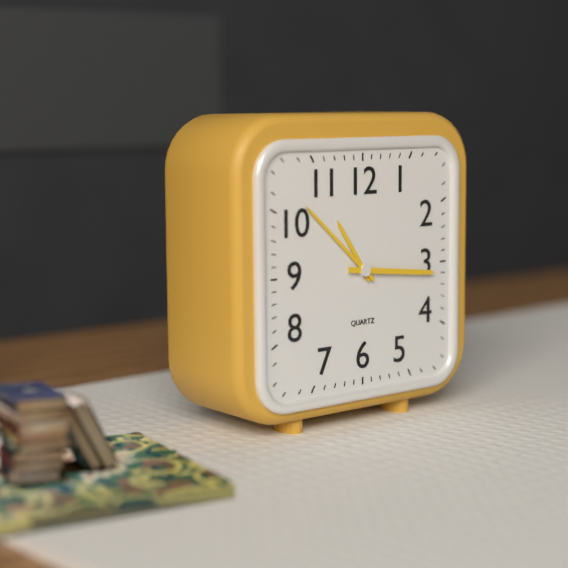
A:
10h52m16s
